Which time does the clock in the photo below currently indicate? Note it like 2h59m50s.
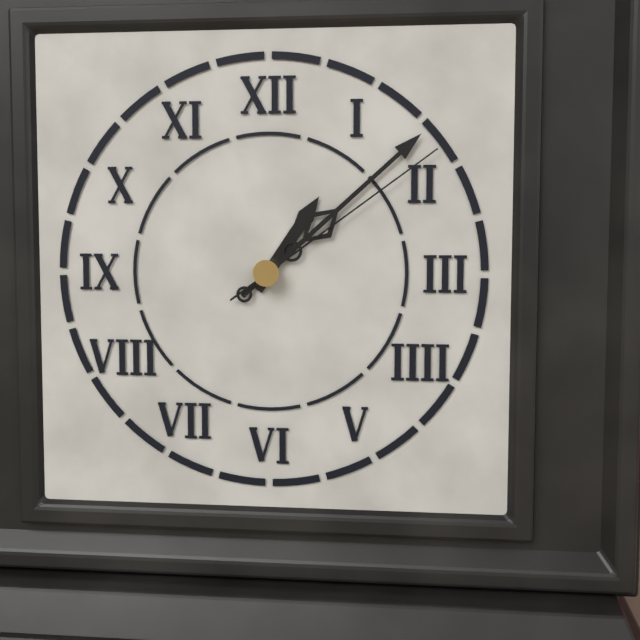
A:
1h08m09s
